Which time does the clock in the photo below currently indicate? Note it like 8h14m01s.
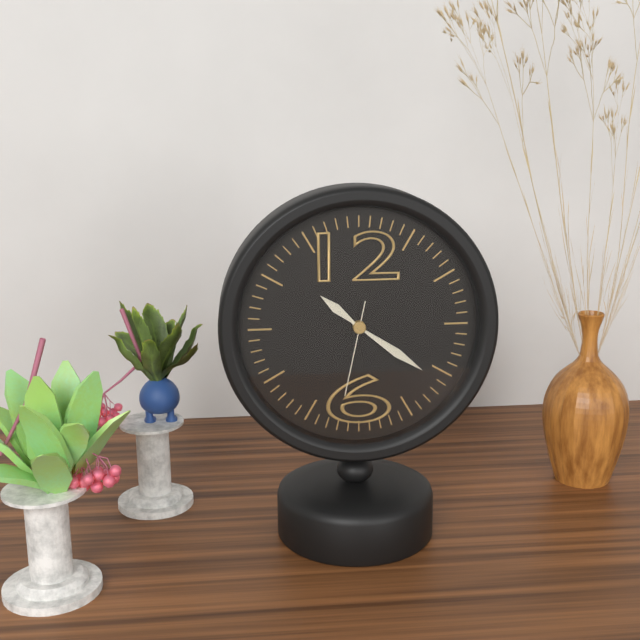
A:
10h21m32s
